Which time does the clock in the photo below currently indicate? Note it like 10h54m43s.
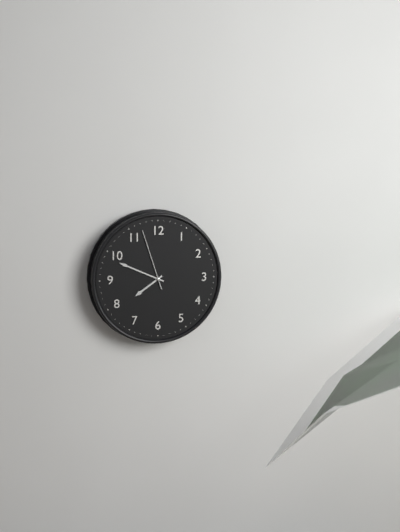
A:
7h49m57s
